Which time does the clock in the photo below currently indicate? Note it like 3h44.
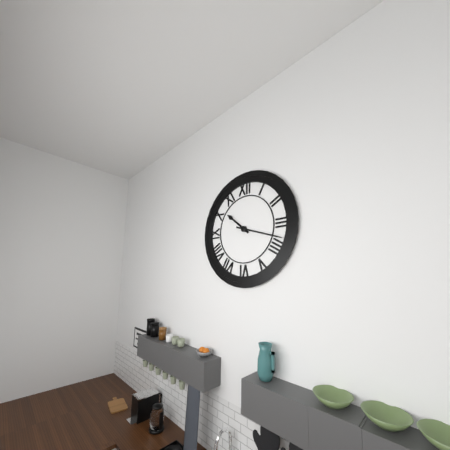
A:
10h18
